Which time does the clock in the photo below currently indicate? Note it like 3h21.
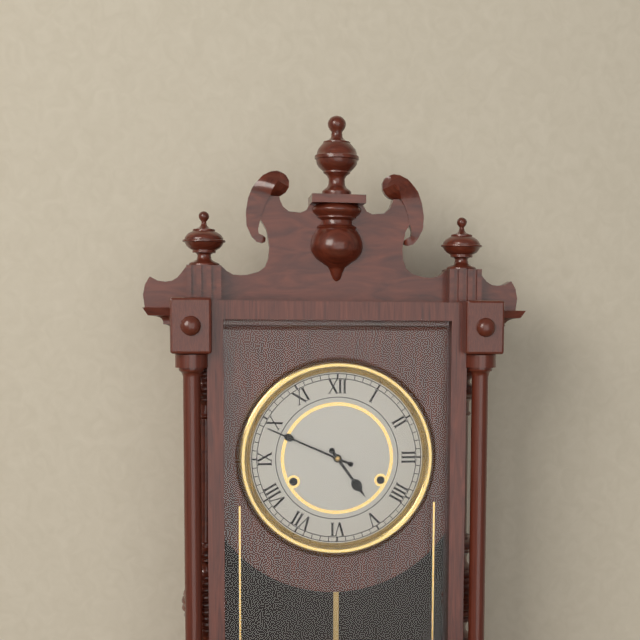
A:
4h49
